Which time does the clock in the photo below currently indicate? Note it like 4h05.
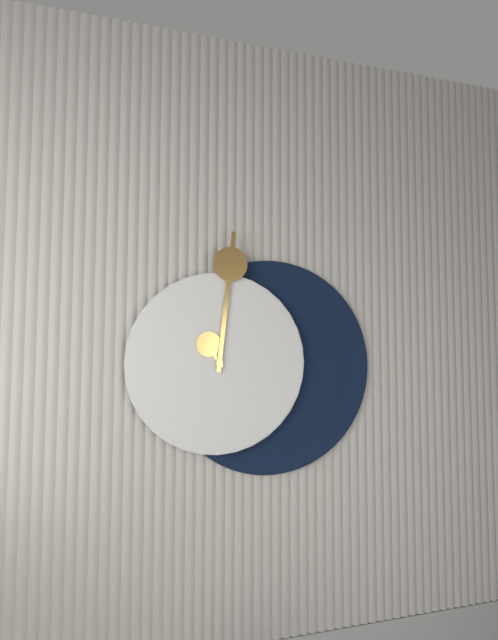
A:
11h01
